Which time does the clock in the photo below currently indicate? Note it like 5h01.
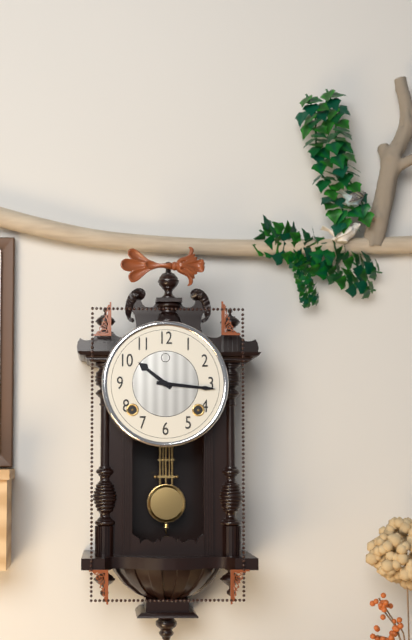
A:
10h16
